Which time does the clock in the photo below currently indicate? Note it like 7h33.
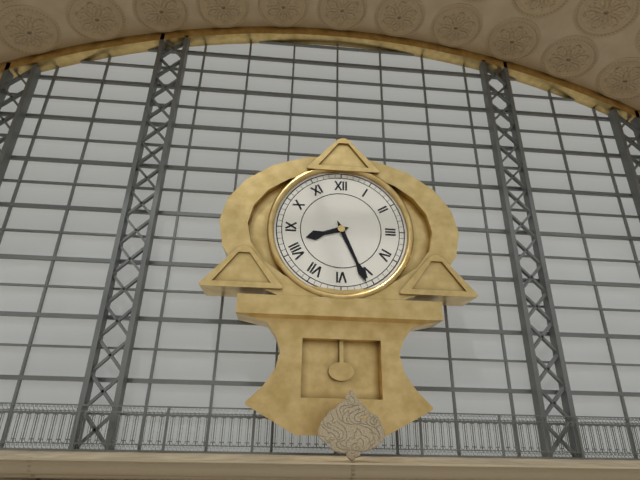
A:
8h26
